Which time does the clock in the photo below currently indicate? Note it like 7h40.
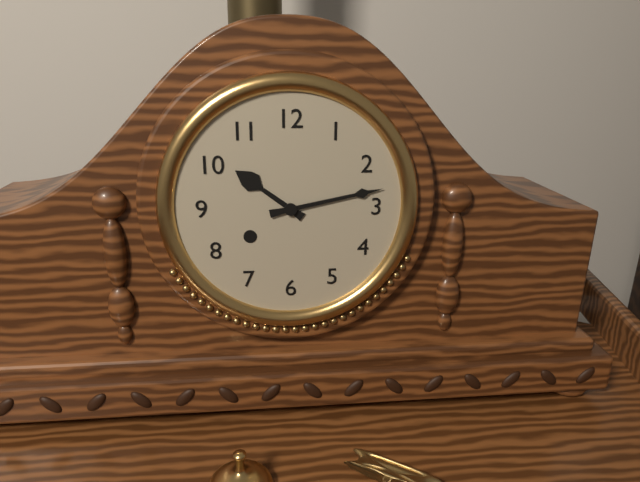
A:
10h13
